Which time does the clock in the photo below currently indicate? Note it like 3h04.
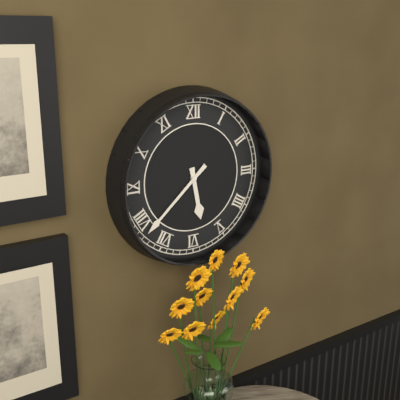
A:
5h38
